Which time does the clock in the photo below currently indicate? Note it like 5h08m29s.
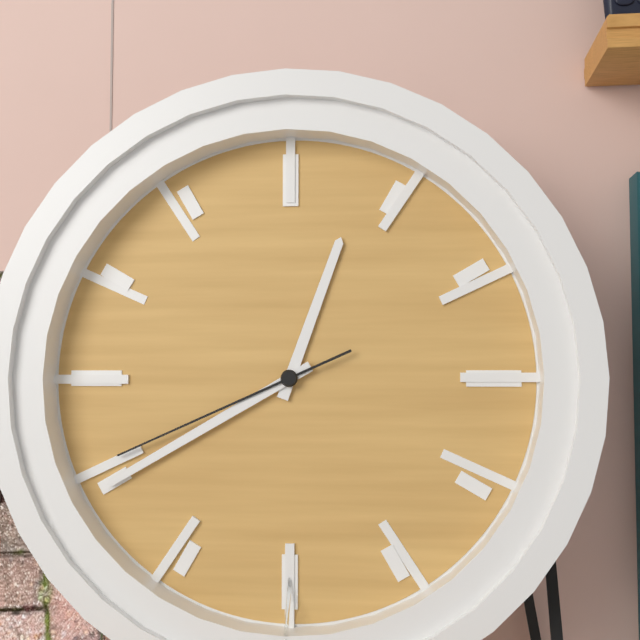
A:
12h40m41s
